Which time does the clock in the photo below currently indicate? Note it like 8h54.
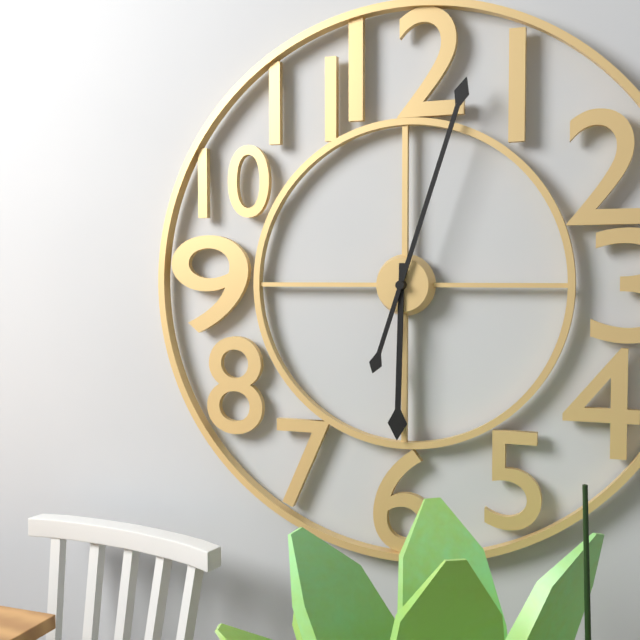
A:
6h03
